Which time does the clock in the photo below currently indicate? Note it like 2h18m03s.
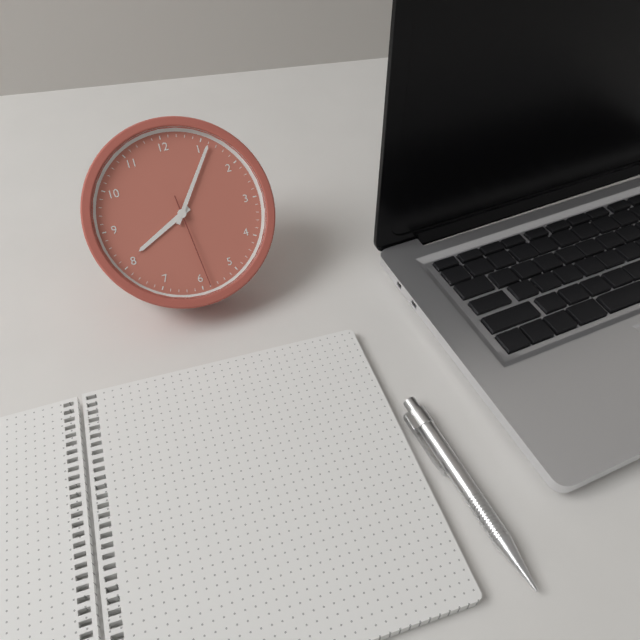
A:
8h06m29s
